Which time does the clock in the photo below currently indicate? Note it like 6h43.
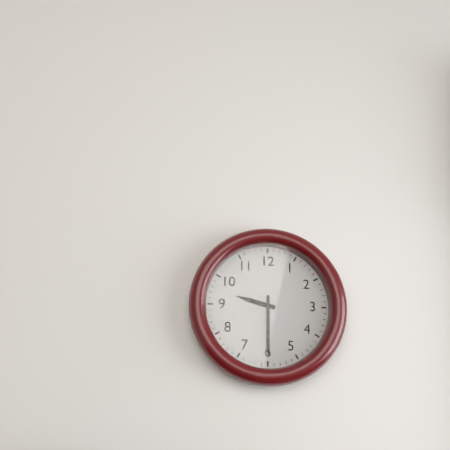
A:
9h30
